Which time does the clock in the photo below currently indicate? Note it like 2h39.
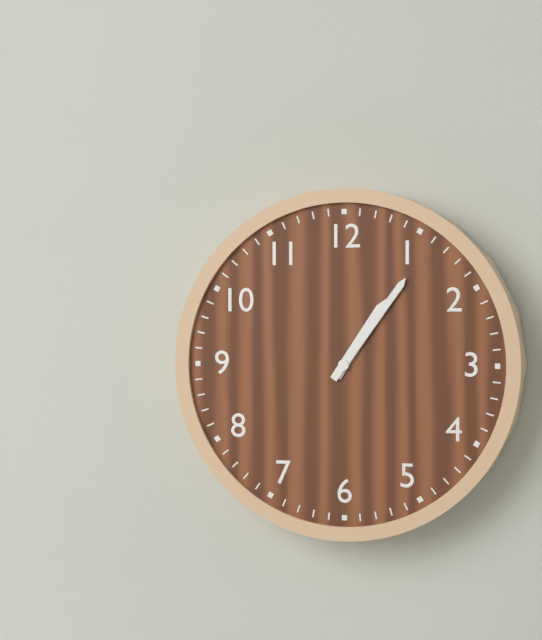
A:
1h06
